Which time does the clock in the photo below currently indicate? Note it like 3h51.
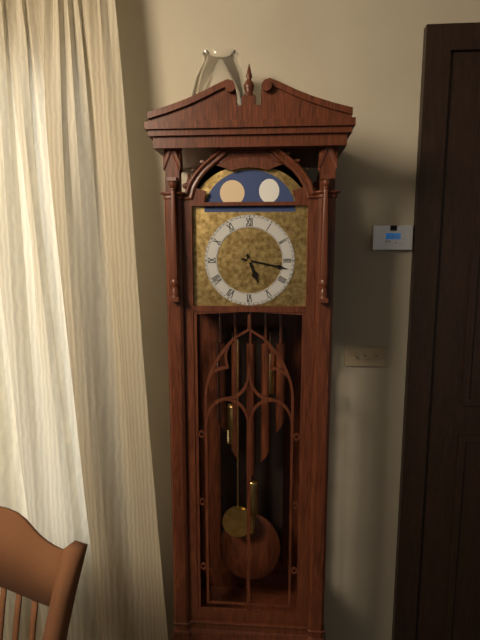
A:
5h17
